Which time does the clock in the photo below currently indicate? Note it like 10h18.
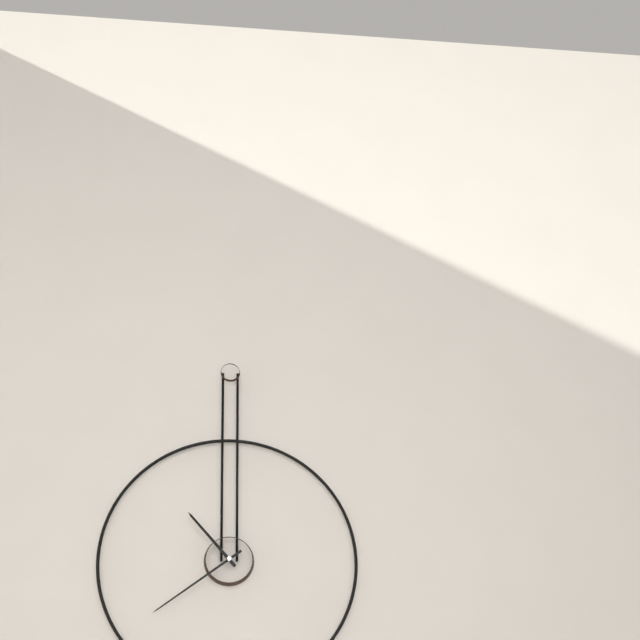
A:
10h39
